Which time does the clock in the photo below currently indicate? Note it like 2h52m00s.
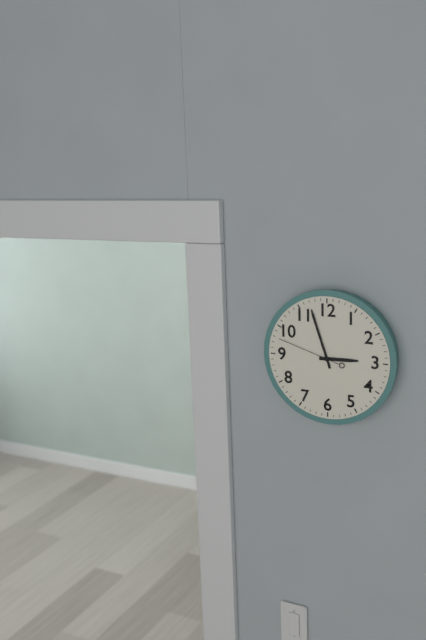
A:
2h57m48s
